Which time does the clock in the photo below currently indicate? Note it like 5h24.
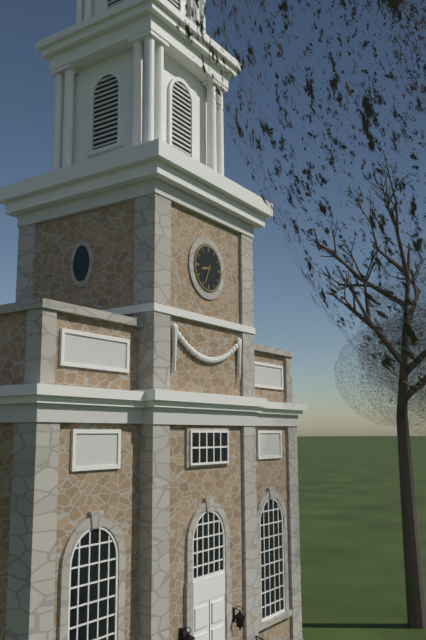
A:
8h34
